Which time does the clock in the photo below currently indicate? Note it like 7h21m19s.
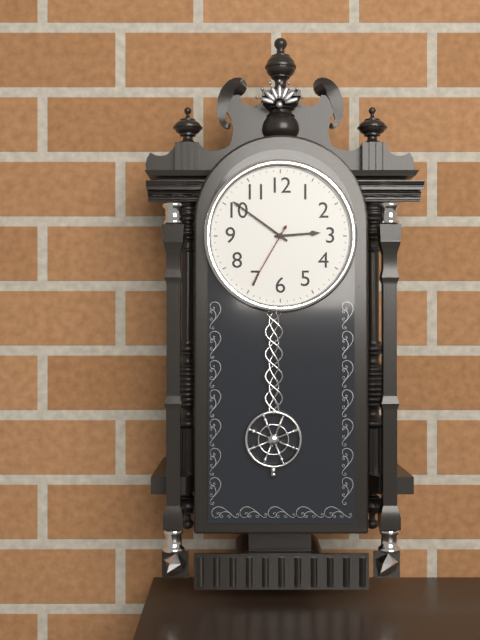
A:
2h51m35s
